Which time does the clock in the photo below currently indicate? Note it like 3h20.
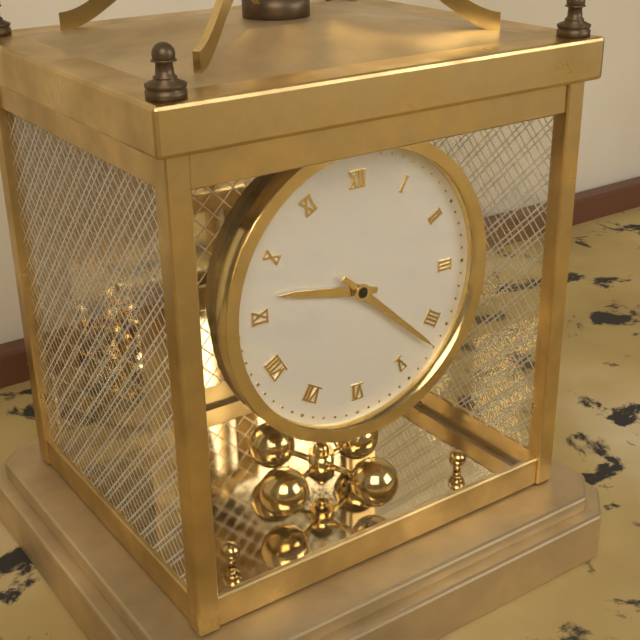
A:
9h22
